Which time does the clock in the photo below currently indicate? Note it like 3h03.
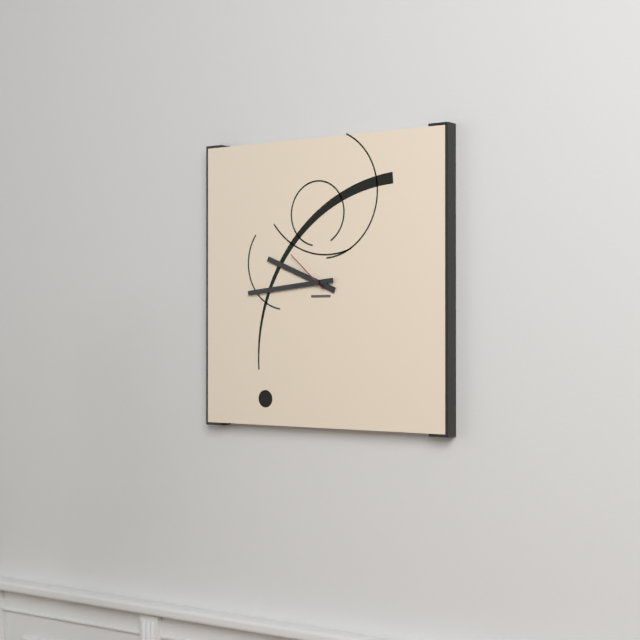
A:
9h44
